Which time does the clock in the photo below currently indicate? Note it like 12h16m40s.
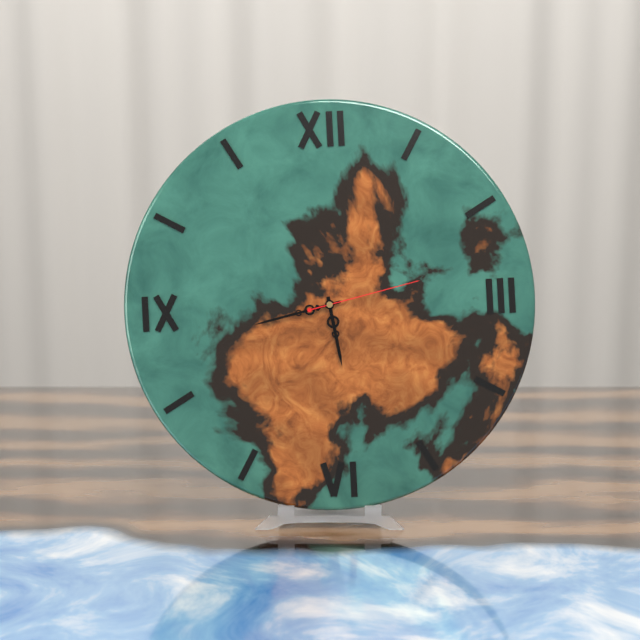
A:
5h43m13s
